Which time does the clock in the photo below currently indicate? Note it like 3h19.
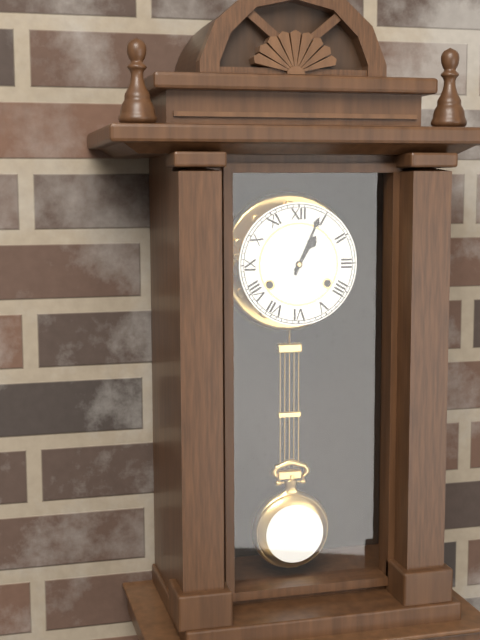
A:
1h04
